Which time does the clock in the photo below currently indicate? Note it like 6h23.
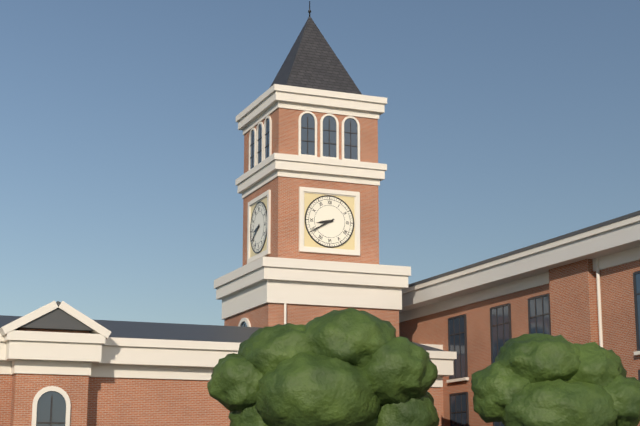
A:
8h40
